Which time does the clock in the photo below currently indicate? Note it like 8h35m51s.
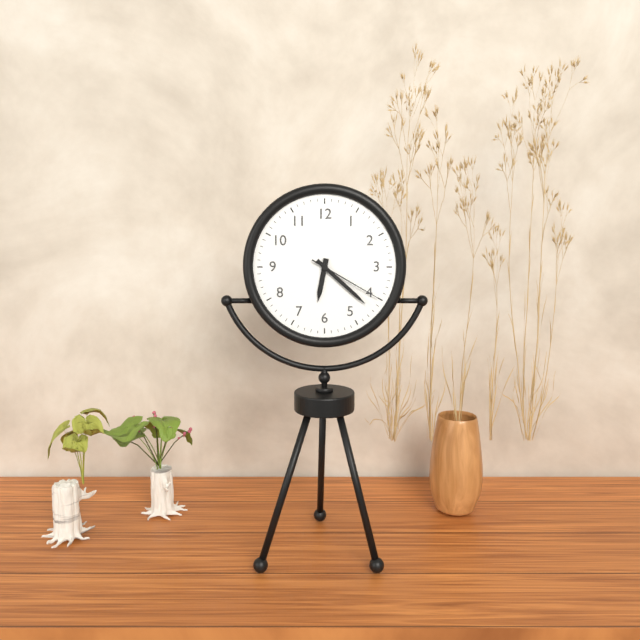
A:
6h22m20s
